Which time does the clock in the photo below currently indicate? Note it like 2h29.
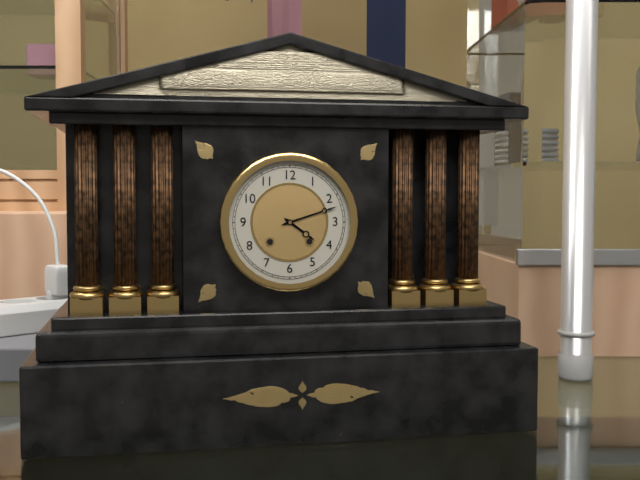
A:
4h12
